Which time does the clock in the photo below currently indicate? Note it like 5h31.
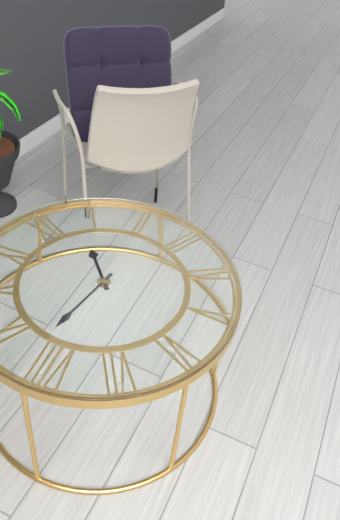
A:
12h42
